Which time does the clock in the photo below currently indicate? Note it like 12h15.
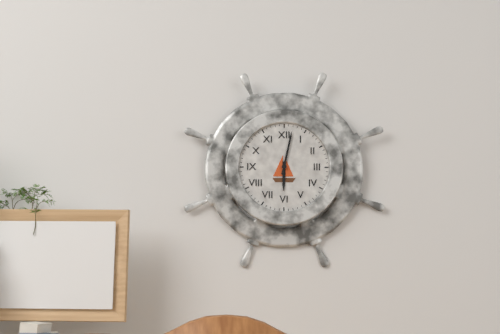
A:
6h02
